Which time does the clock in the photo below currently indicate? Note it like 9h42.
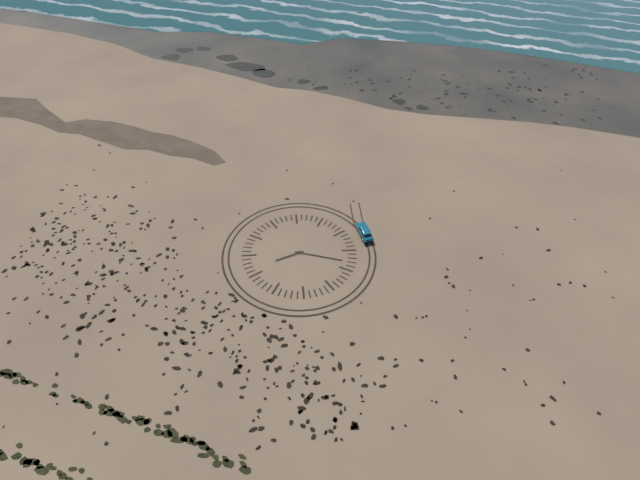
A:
8h18
